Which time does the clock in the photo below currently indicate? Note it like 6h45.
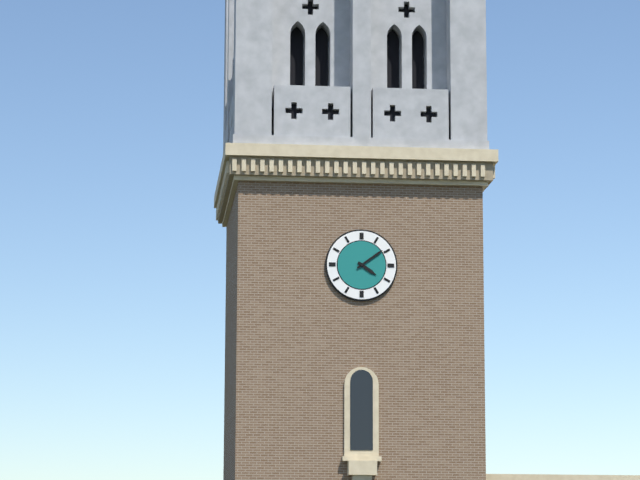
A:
4h09
